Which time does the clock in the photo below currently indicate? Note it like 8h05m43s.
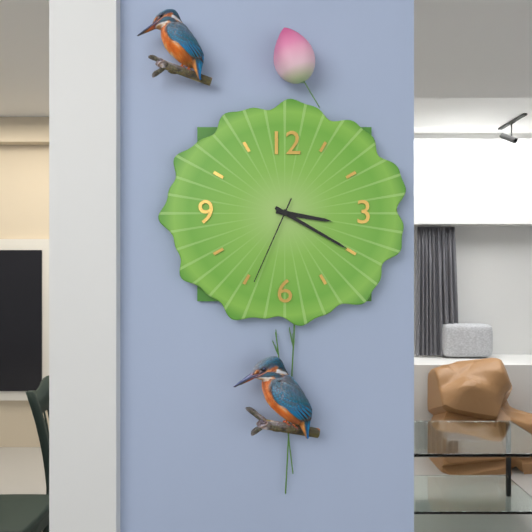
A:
3h20m34s
